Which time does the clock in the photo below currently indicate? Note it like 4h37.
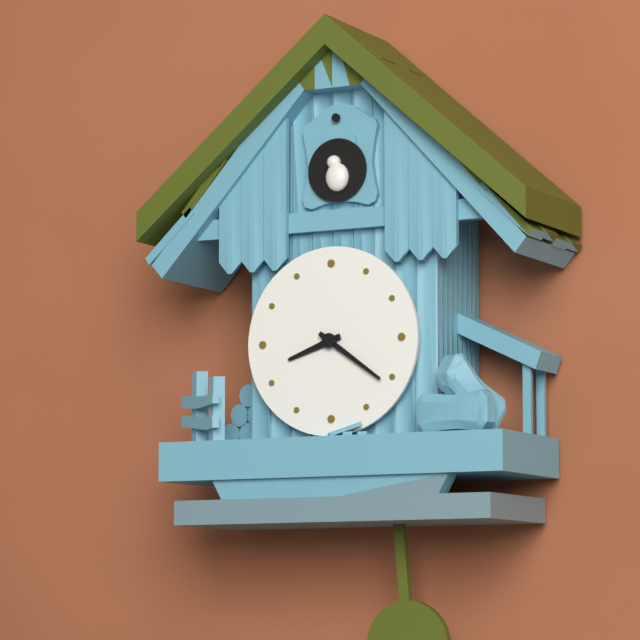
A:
8h21
